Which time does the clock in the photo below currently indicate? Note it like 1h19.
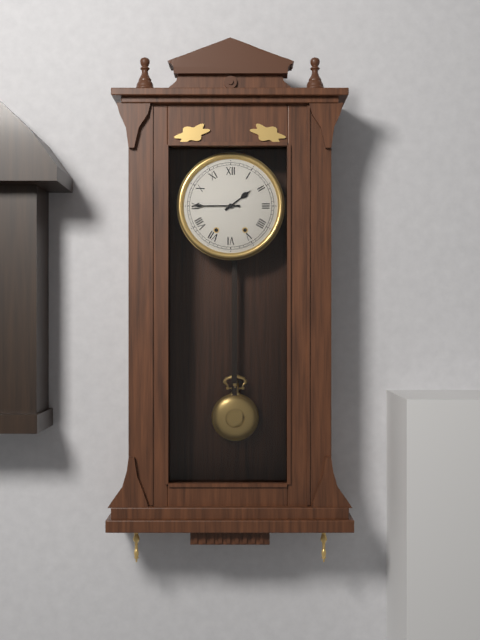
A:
1h45
